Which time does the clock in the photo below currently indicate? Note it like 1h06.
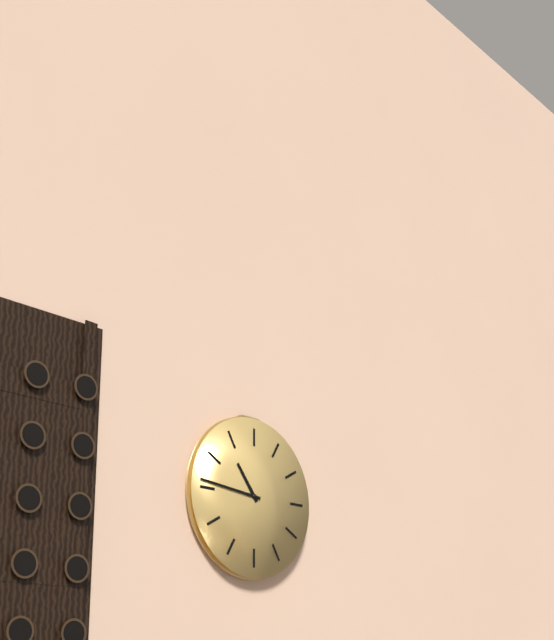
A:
10h46
